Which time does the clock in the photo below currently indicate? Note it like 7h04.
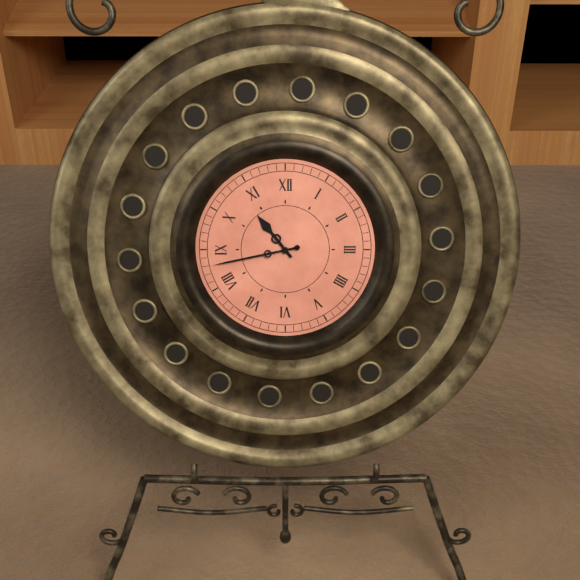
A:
10h43
